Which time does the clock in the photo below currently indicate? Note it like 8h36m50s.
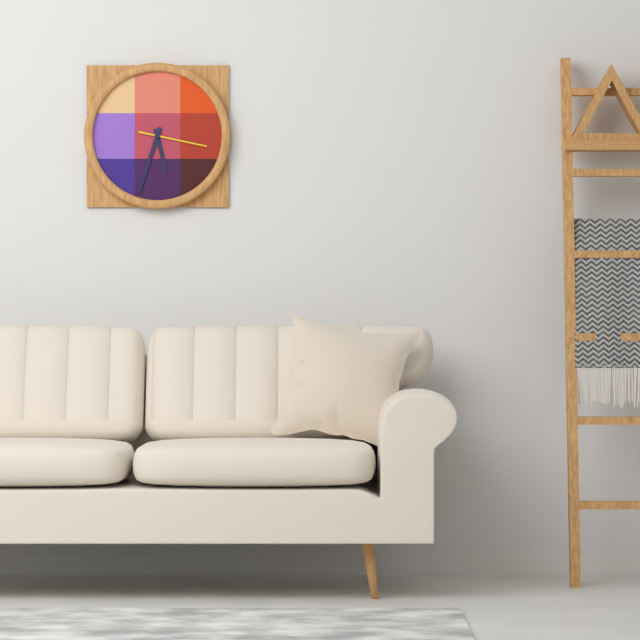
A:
5h33m17s
